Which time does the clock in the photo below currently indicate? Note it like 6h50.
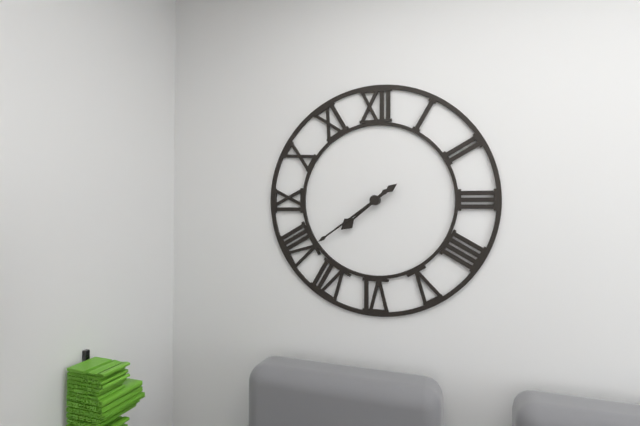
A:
7h39
